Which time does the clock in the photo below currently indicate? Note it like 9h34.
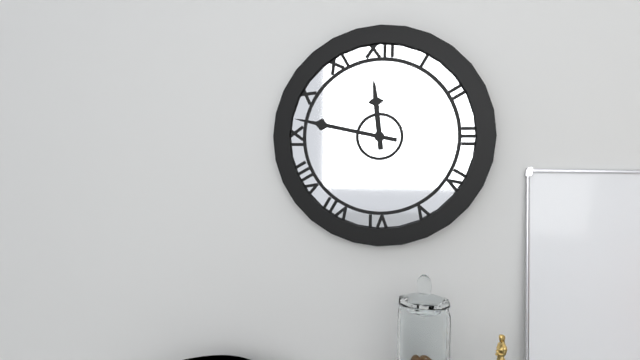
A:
11h47
